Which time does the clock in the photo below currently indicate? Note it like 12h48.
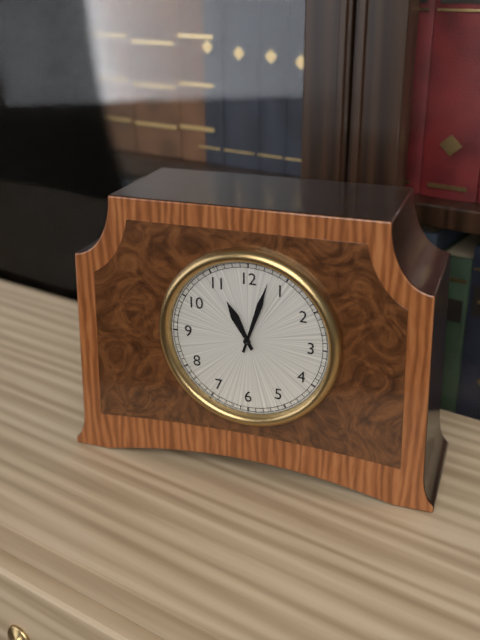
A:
11h03
